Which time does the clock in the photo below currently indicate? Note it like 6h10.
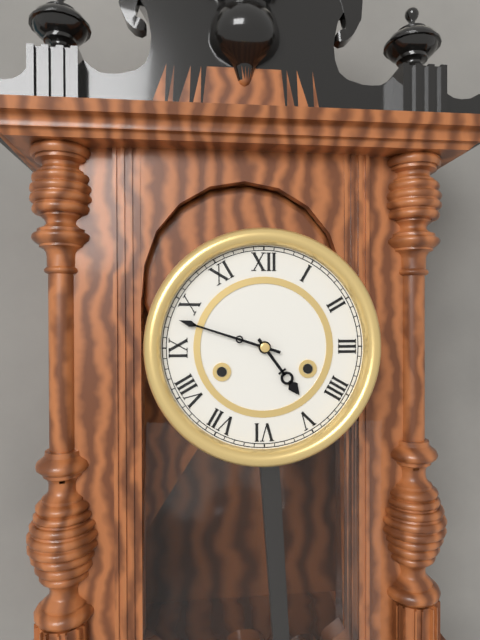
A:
4h48
